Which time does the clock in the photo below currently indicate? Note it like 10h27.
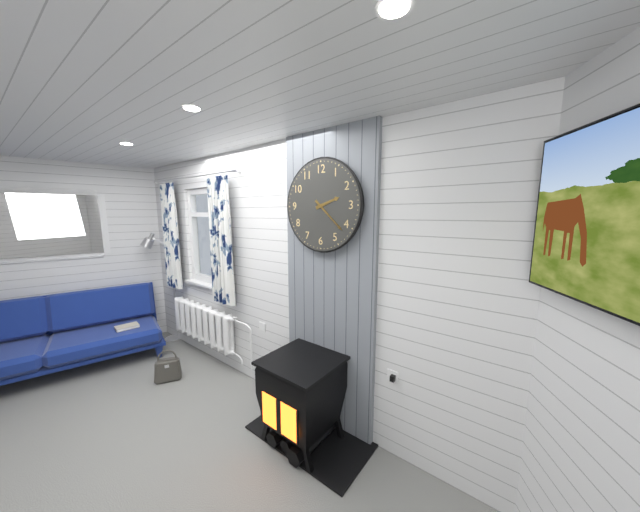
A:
2h22
